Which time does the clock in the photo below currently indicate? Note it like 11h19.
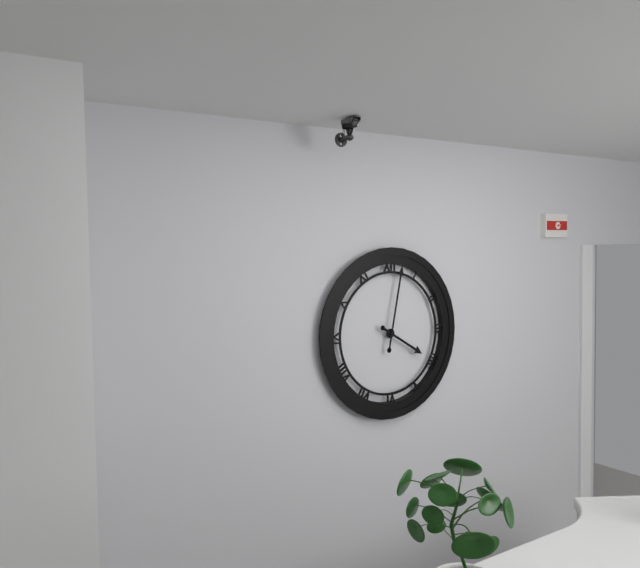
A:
4h02
